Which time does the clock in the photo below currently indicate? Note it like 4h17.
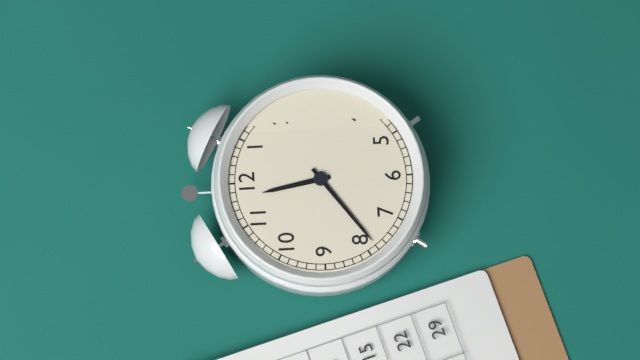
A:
11h39
